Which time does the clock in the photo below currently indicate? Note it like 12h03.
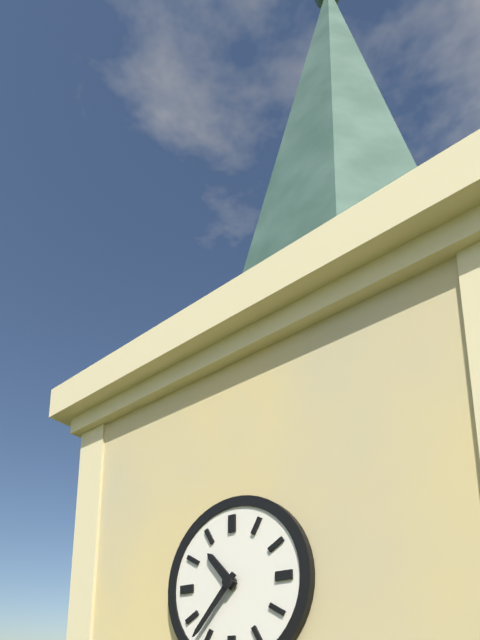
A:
10h37
